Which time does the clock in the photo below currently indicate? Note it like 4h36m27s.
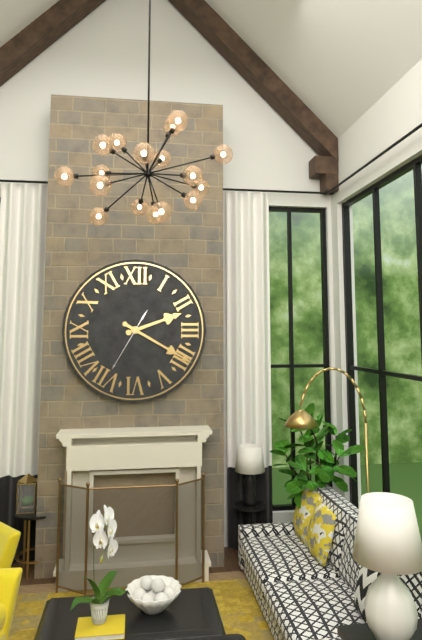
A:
2h20m35s
